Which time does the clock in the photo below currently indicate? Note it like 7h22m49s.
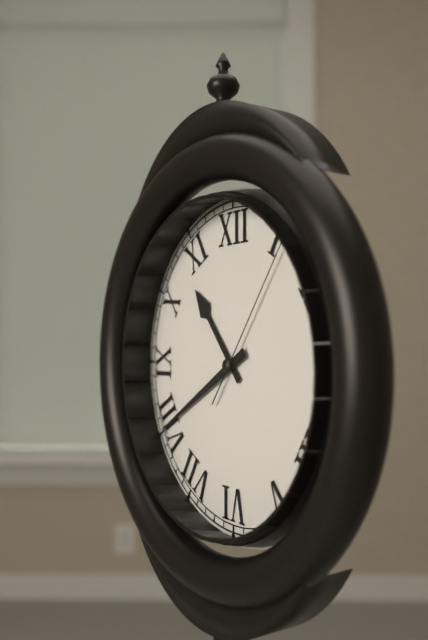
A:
10h40m06s
